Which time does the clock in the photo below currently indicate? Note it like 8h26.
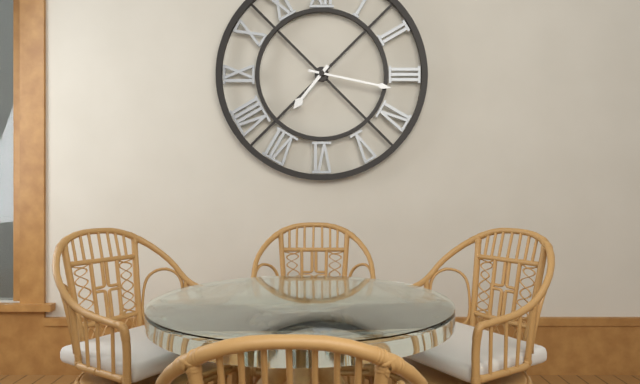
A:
7h17
